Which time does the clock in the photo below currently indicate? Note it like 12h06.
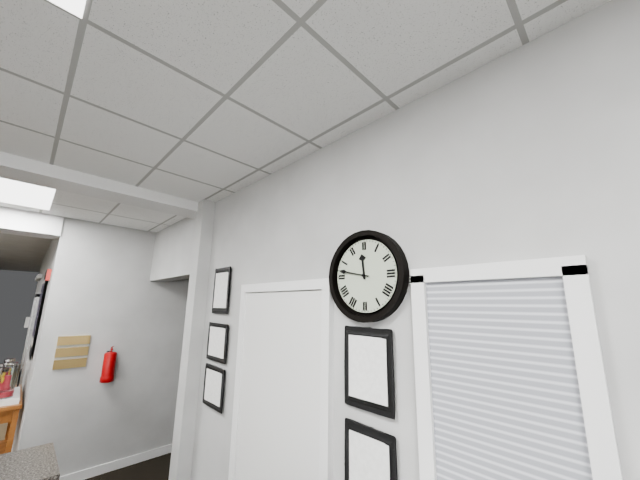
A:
11h47
